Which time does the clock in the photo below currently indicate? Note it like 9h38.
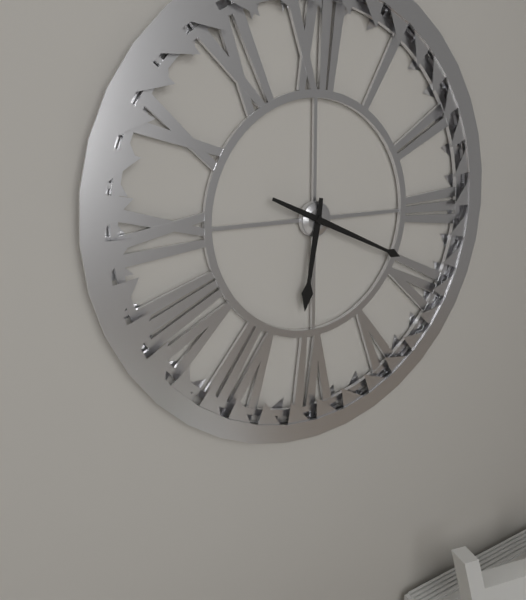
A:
6h19
